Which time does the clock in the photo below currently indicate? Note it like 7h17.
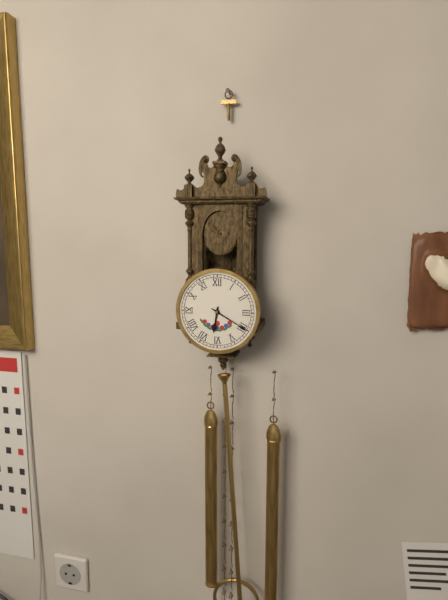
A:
6h20
